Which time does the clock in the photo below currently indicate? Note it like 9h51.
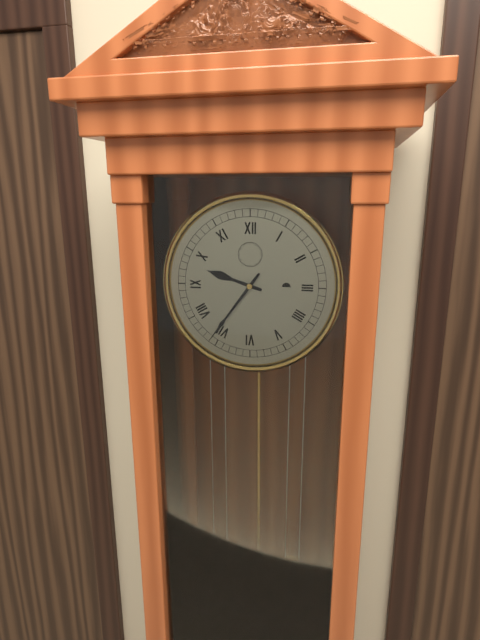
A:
9h36
